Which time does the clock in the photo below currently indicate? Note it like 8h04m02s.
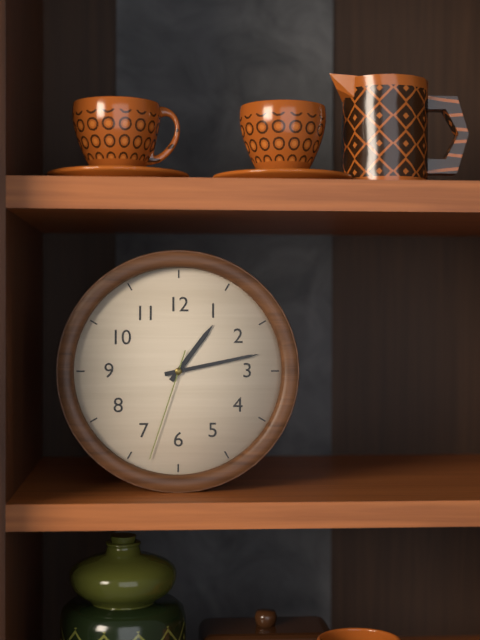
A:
1h13m33s
